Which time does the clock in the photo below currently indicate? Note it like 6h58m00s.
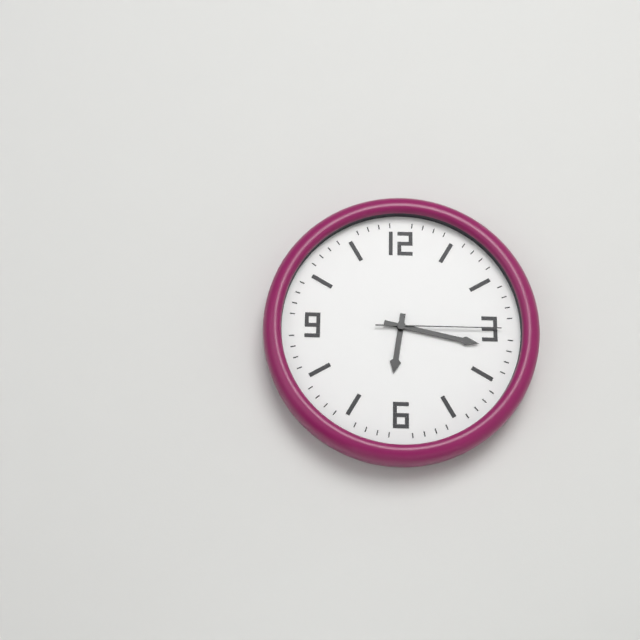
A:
6h17m15s
